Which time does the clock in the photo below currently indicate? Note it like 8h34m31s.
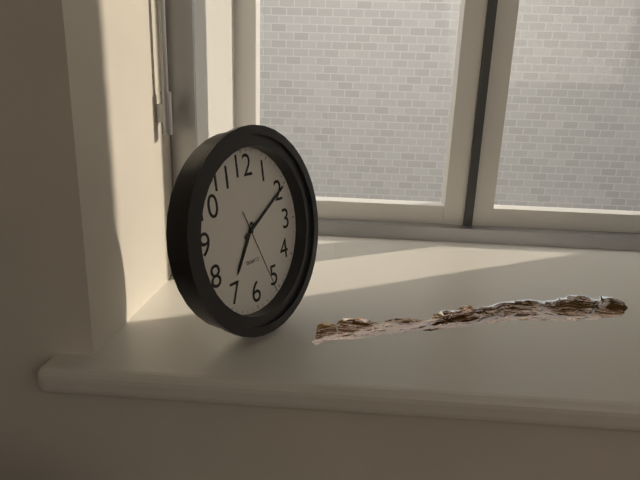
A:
7h10m26s
